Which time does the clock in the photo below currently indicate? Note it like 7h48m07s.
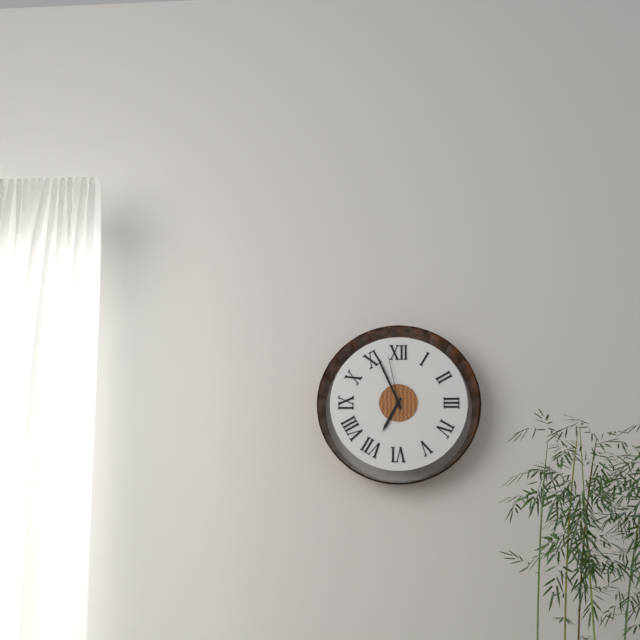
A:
6h56m58s
